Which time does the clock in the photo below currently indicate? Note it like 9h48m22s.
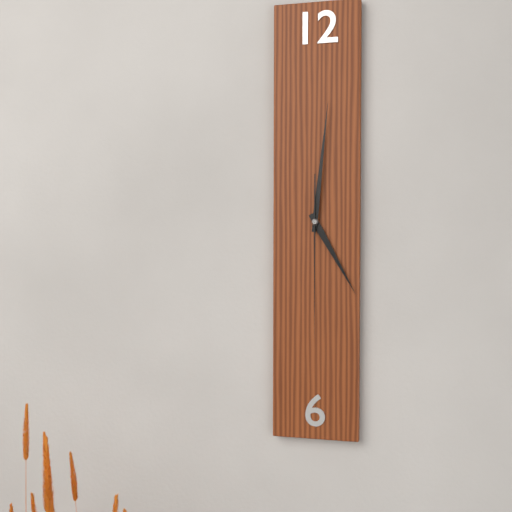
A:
5h01m30s
